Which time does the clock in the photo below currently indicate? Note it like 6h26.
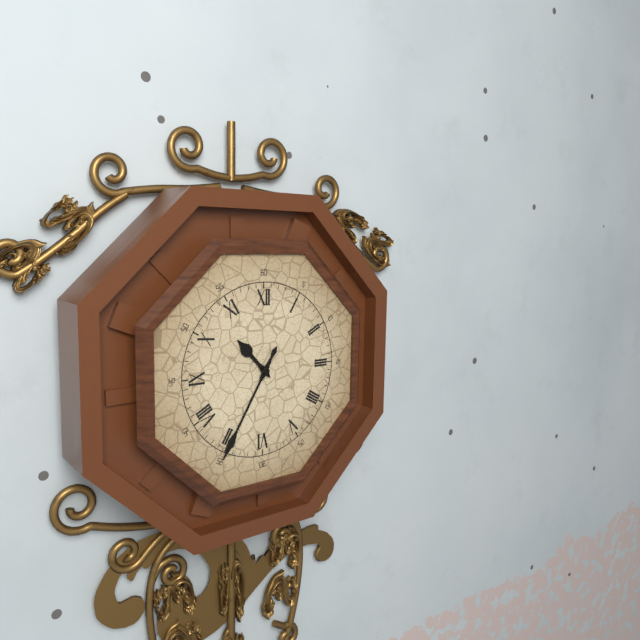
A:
10h35
